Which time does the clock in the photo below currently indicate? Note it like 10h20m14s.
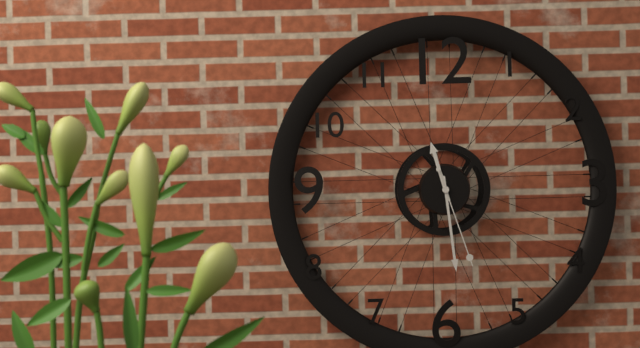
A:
11h29m27s
